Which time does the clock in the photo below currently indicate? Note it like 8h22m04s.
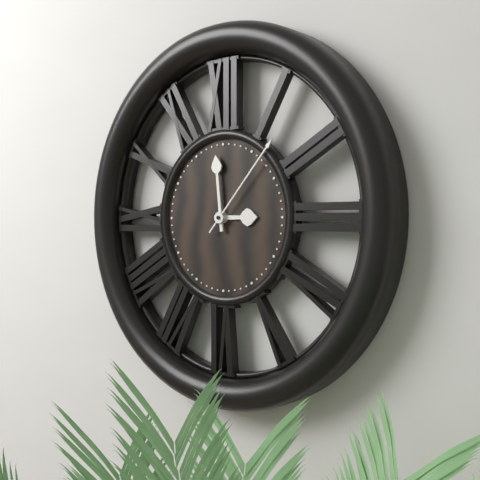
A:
2h59m07s
